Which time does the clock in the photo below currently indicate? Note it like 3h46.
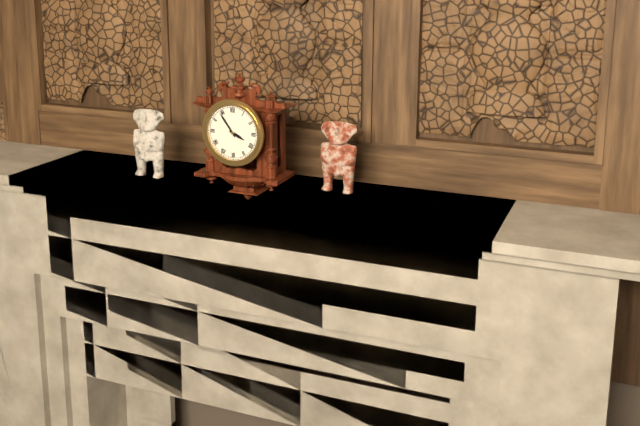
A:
3h54
